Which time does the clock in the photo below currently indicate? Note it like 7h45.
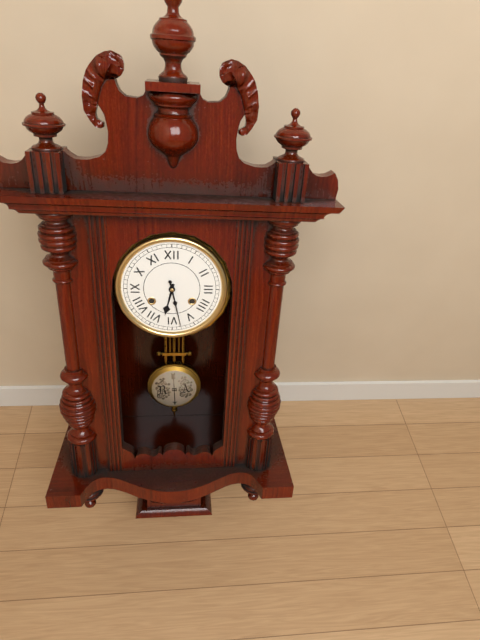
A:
6h28
